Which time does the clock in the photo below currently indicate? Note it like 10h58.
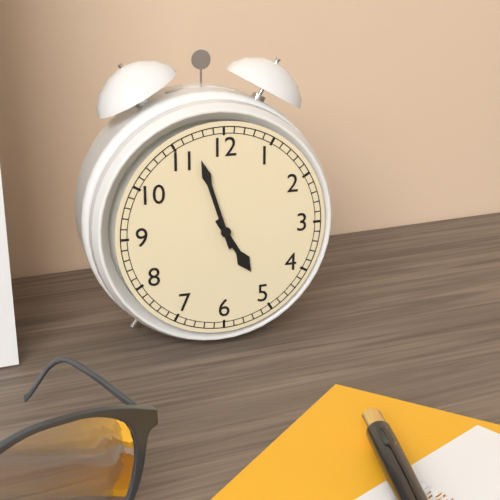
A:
4h57
